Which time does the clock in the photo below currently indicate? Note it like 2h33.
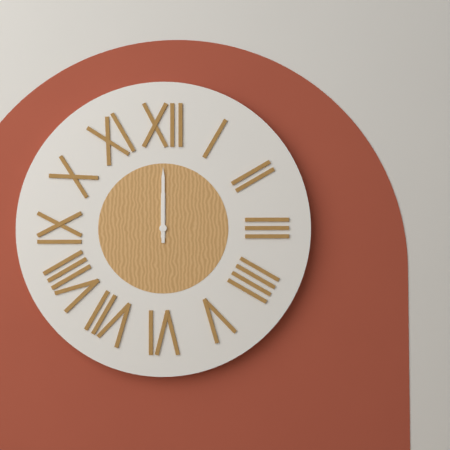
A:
12h00
